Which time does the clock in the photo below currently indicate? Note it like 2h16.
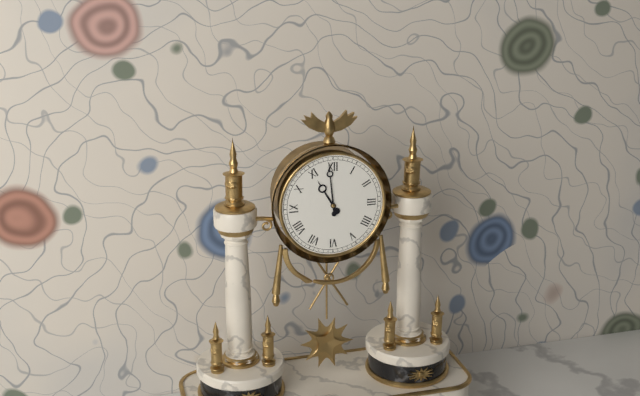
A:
10h59
